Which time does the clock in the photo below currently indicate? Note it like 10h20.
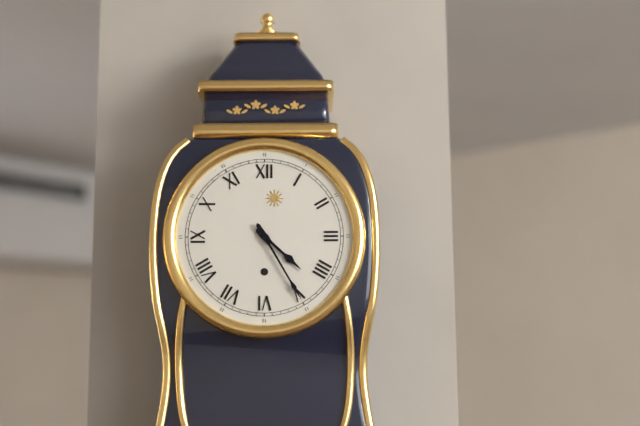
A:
4h25
